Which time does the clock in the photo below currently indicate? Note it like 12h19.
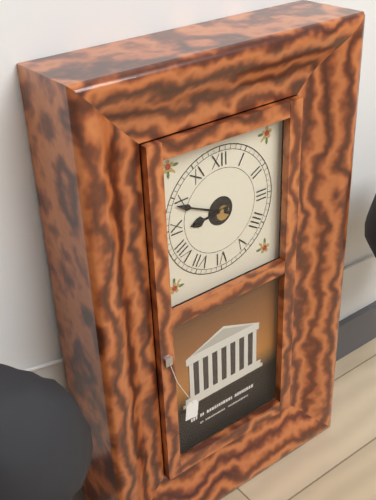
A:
8h49
